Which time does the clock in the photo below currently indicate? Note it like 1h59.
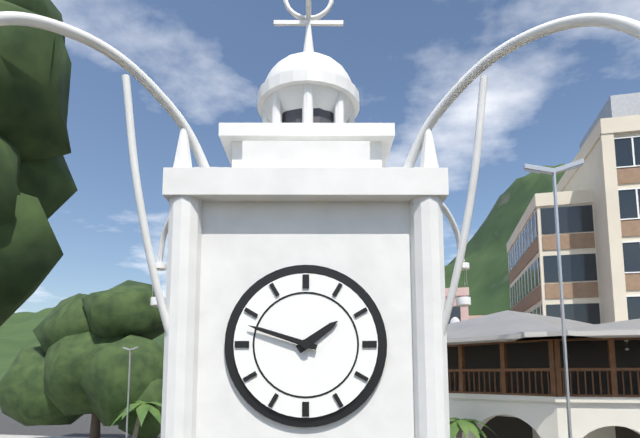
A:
1h48
